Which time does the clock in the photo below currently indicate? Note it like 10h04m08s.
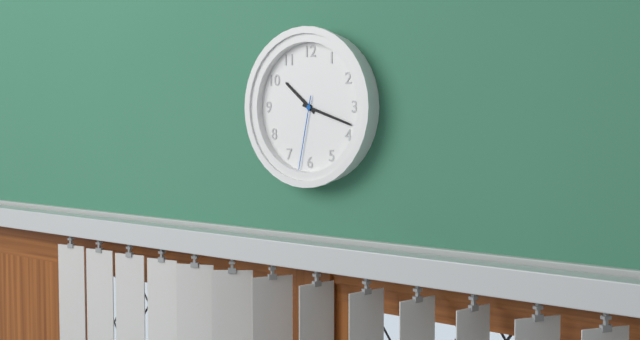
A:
10h18m32s
